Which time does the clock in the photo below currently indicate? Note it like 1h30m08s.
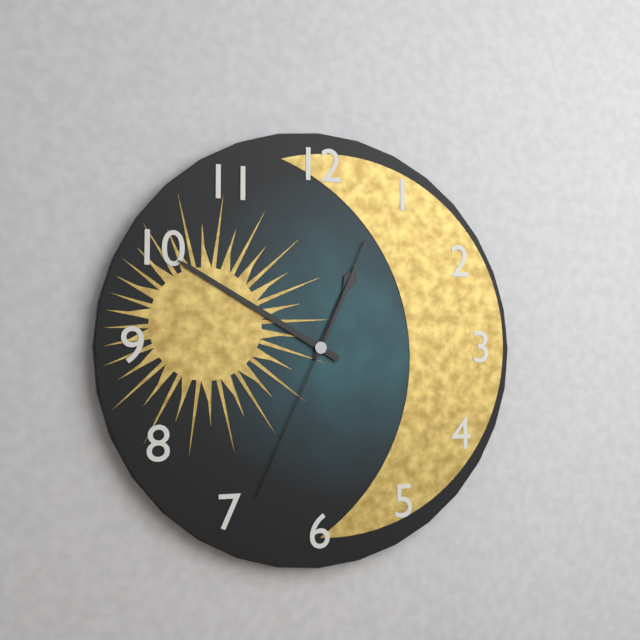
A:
12h50m34s
